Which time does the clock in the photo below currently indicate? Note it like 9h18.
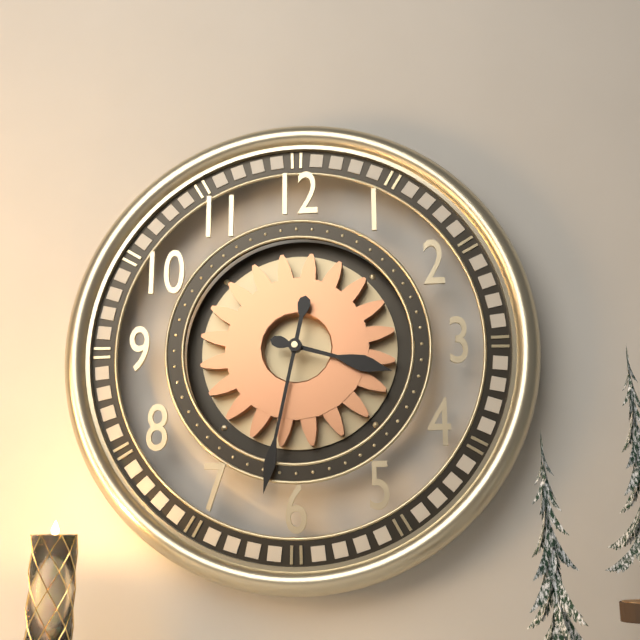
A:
3h32
